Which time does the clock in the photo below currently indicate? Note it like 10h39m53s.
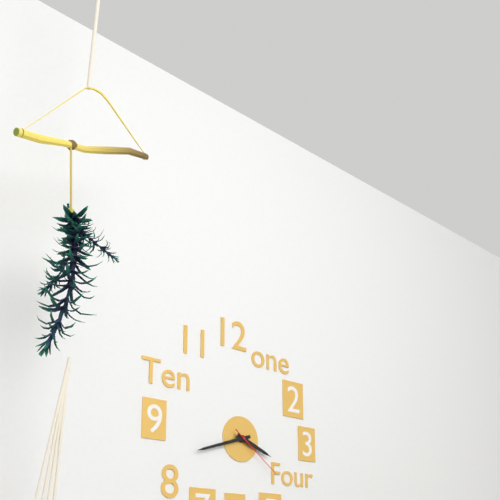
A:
3h42m21s
